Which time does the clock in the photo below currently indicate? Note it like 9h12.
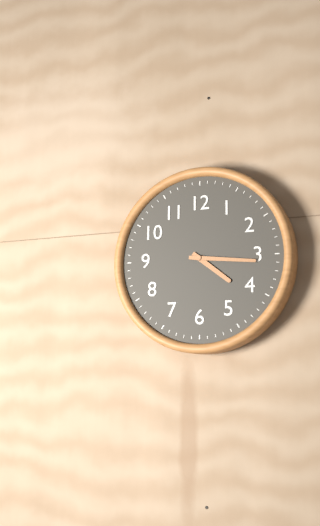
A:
4h16
